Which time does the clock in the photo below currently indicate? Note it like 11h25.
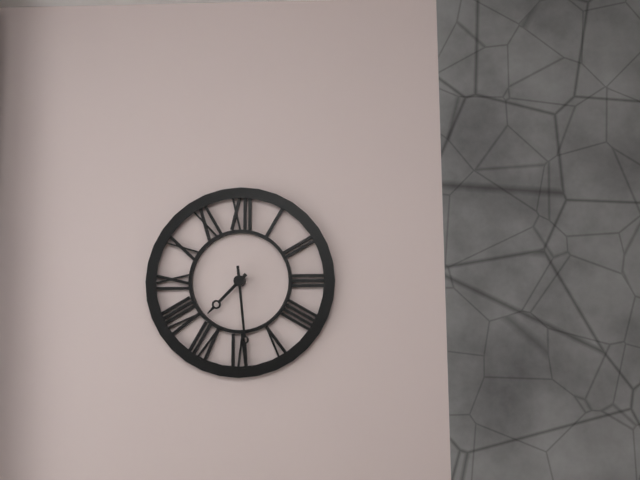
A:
7h29
